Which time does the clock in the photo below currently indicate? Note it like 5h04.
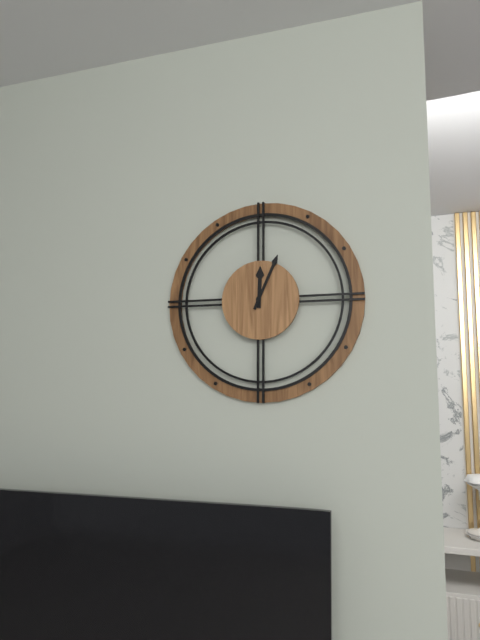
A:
12h04
